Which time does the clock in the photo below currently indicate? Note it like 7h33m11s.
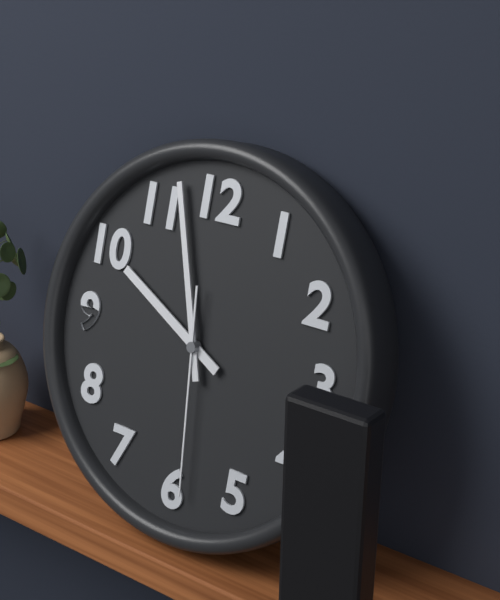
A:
9h57m29s
